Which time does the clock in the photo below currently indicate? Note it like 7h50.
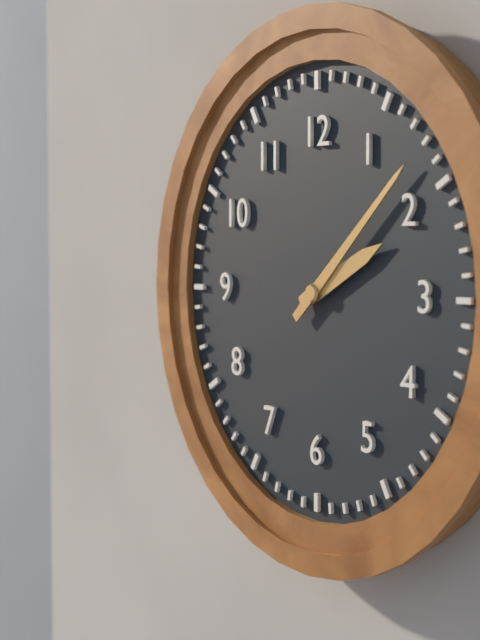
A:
2h08
